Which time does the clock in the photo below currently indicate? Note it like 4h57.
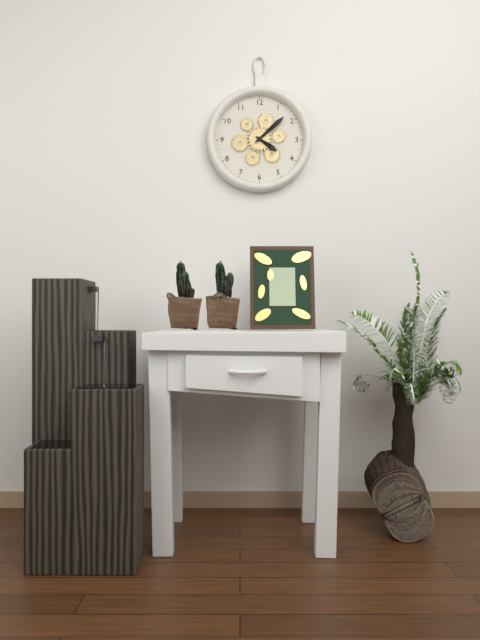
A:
4h08
